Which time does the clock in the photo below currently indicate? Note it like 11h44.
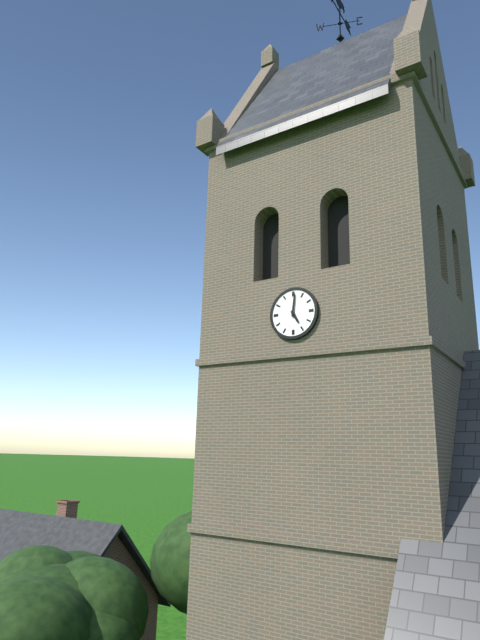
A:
5h01
